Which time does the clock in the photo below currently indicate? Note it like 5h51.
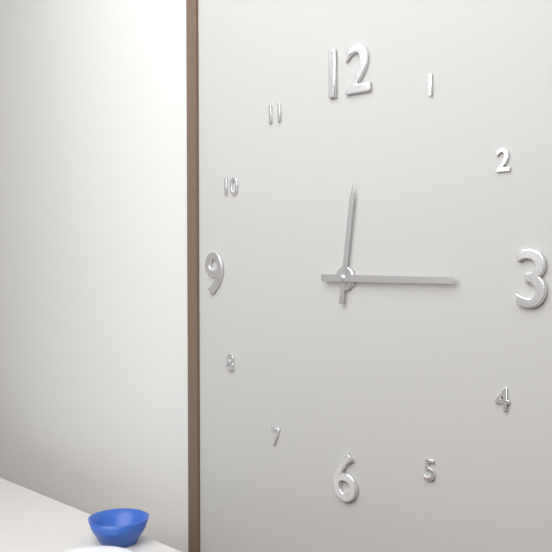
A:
12h15
